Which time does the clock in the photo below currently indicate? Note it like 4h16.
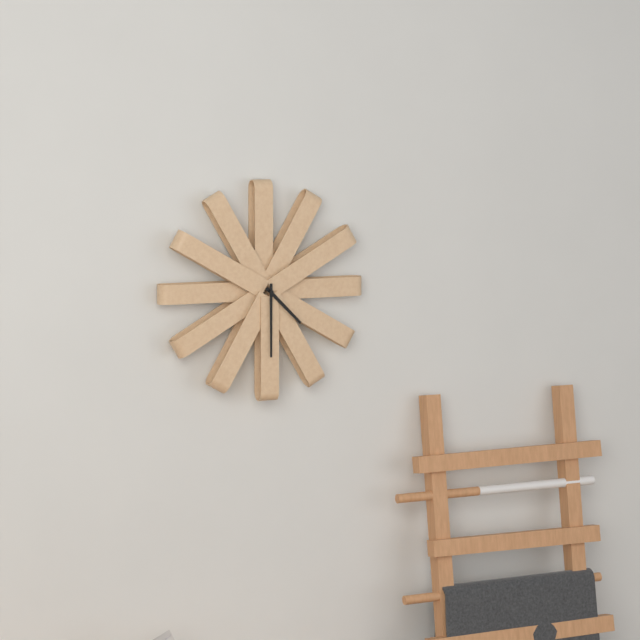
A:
4h30
